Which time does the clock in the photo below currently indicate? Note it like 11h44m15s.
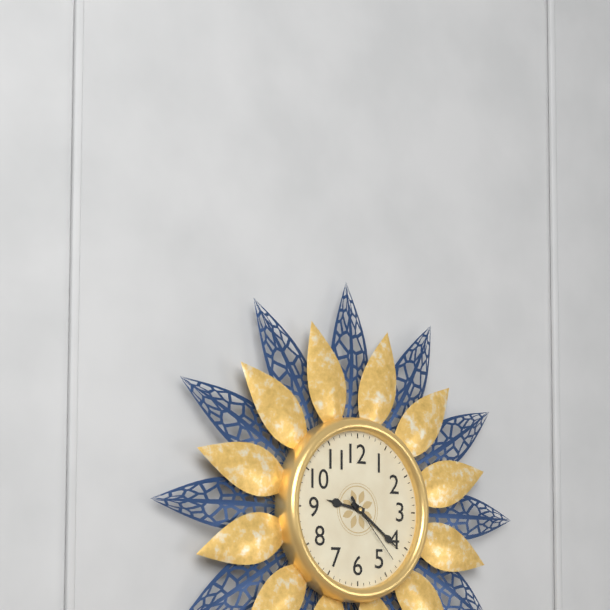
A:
9h21m23s
